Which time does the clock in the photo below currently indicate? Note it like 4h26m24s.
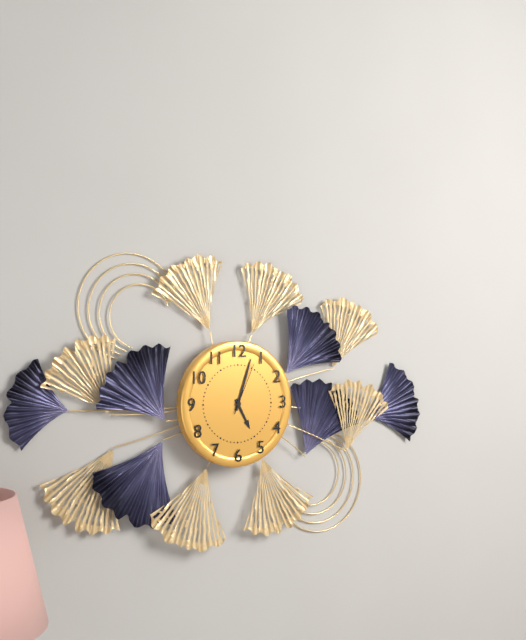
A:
5h03m04s
